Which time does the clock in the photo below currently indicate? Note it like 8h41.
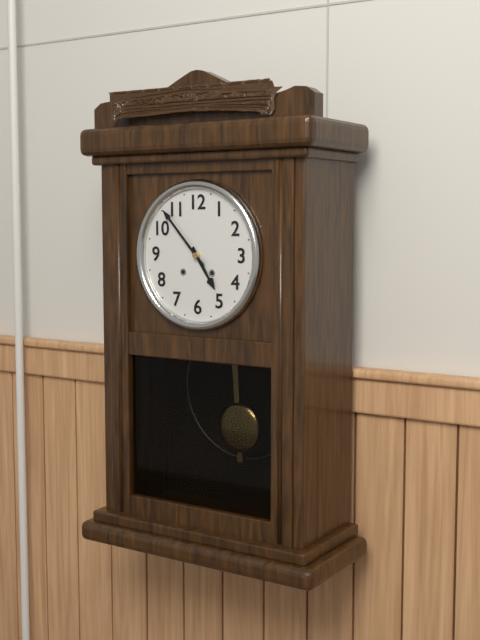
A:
4h53
